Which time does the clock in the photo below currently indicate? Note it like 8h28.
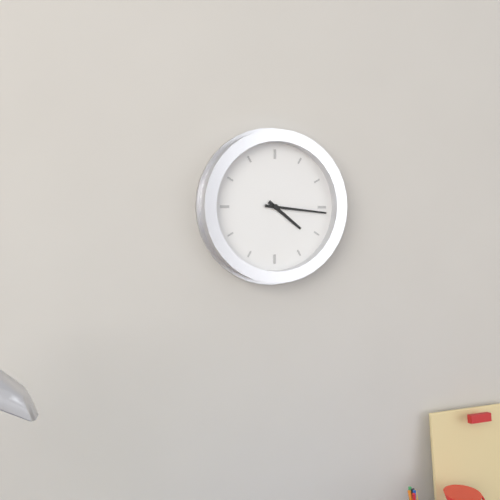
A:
4h16
